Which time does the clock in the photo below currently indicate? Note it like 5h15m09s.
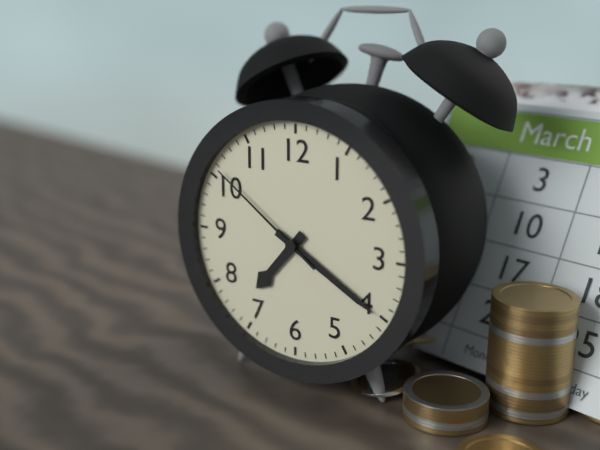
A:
7h20m51s
